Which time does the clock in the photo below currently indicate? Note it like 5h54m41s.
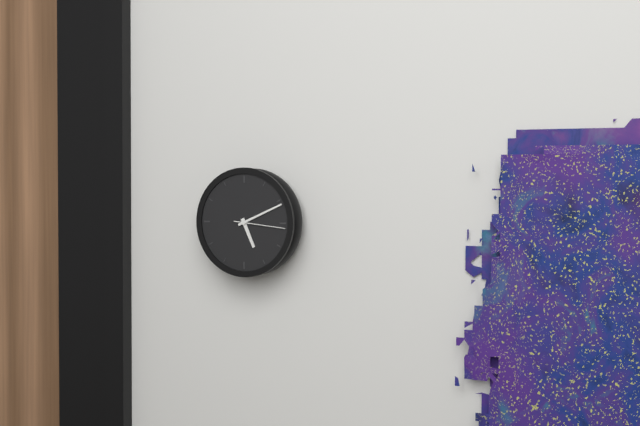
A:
5h11m16s
